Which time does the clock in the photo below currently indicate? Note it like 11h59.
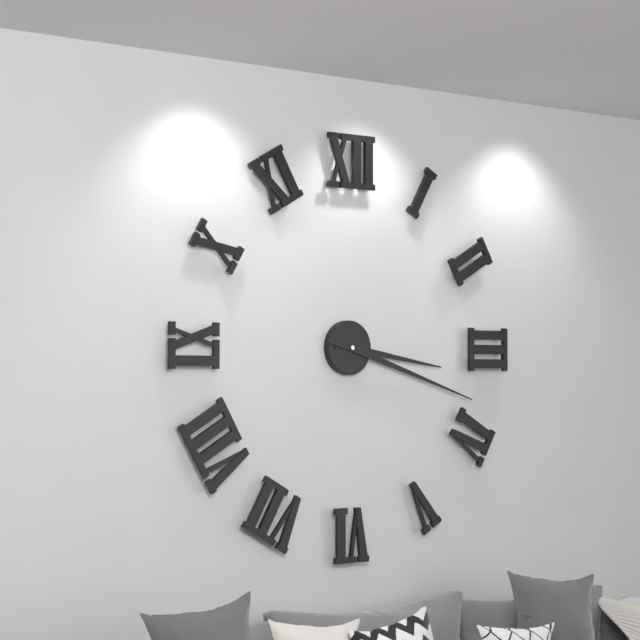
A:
3h18
